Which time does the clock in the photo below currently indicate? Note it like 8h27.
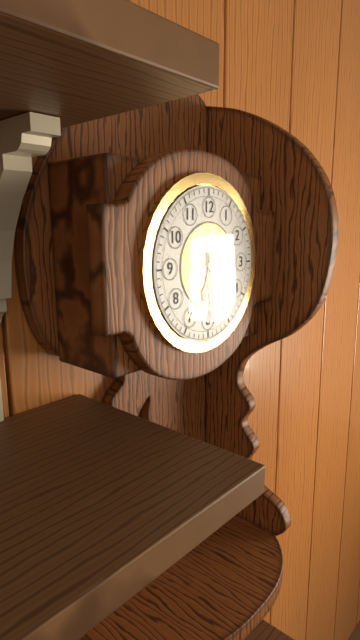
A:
6h29
